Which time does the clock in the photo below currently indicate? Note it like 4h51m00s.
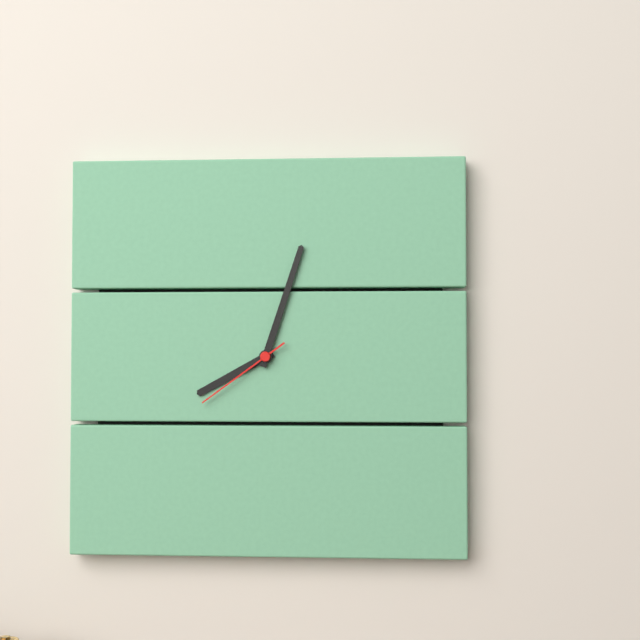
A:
8h03m39s
